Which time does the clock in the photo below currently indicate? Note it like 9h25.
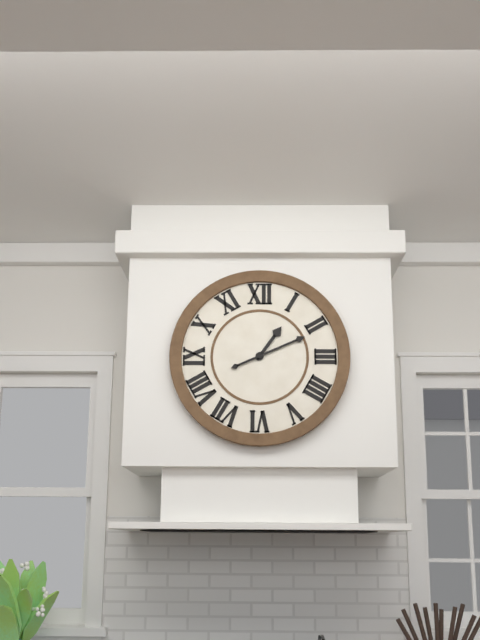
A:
1h11
